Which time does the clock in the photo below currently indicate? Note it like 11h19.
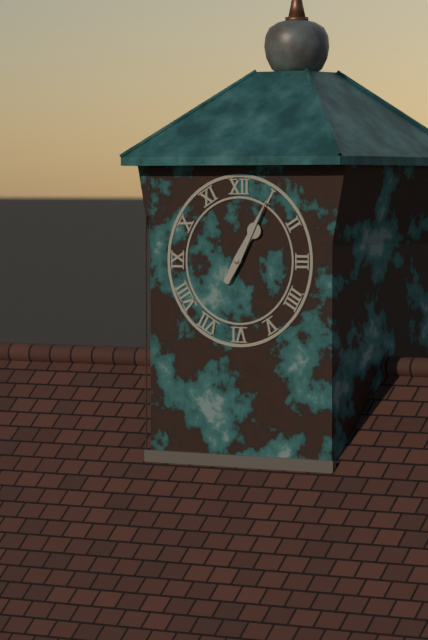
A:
1h05
